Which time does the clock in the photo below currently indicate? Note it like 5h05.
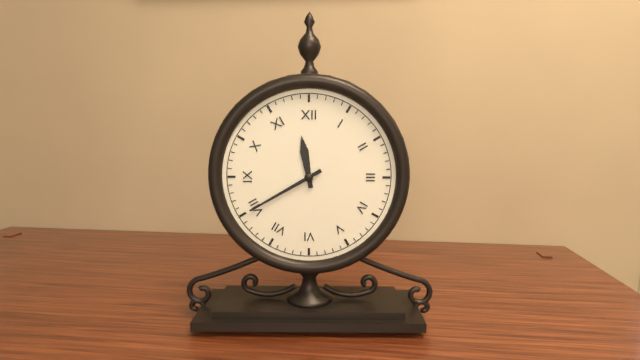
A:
11h40
